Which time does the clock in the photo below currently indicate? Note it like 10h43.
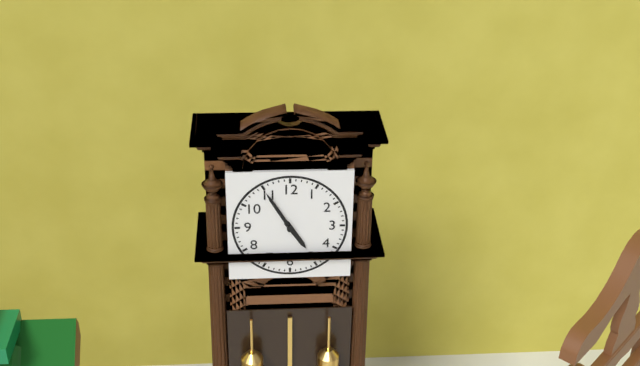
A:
4h55
